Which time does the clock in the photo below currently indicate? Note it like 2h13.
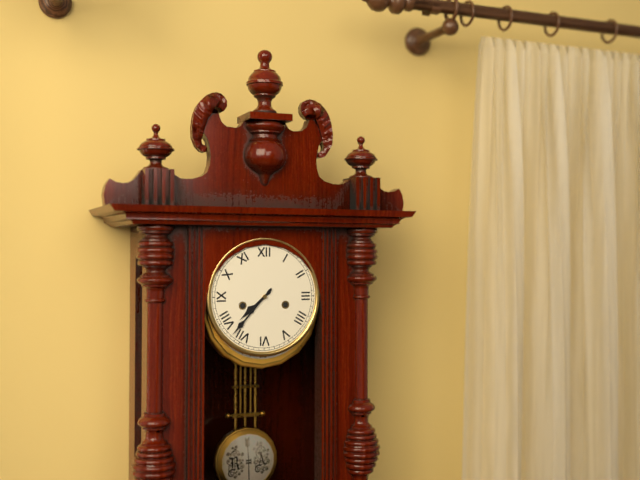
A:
7h37
